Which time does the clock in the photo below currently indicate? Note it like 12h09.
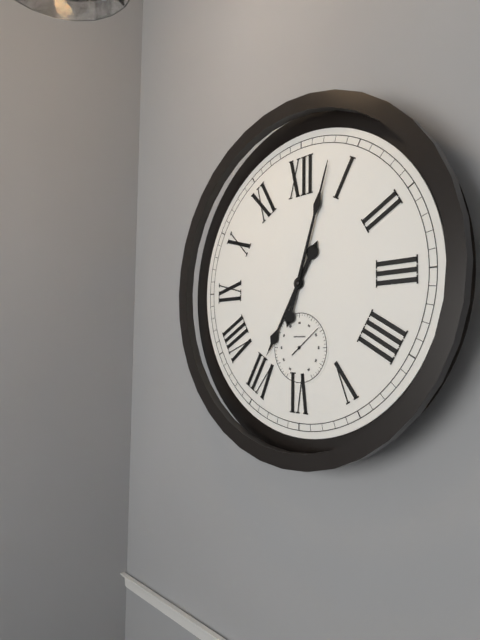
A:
7h03
